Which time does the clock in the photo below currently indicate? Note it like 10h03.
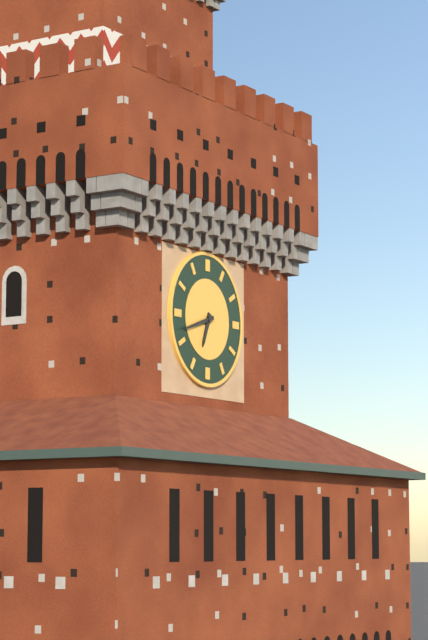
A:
6h42
